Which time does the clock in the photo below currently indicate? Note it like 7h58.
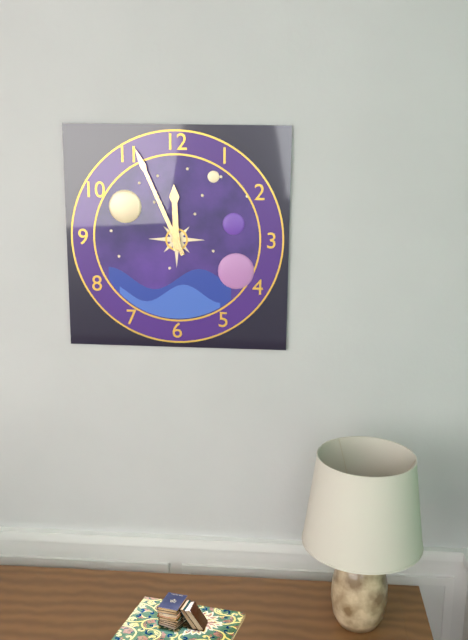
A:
11h56
